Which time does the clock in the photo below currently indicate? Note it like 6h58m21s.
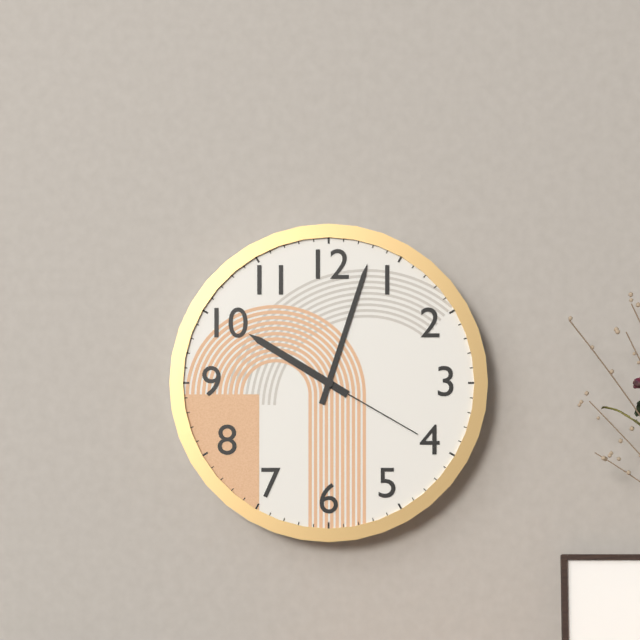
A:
10h03m20s
